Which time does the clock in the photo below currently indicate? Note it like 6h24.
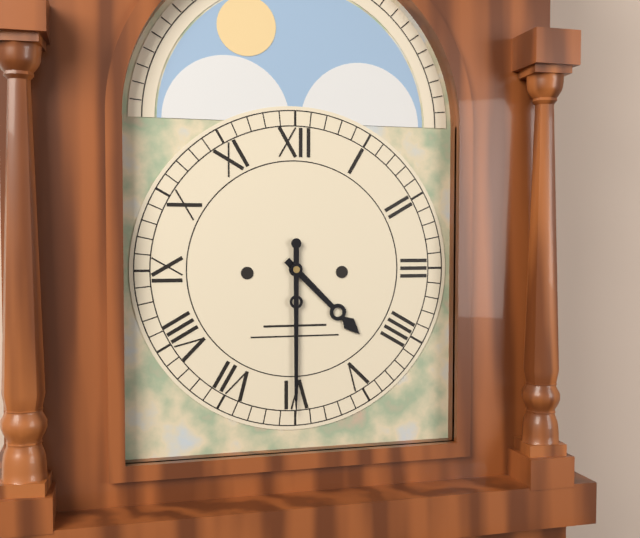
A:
4h30
